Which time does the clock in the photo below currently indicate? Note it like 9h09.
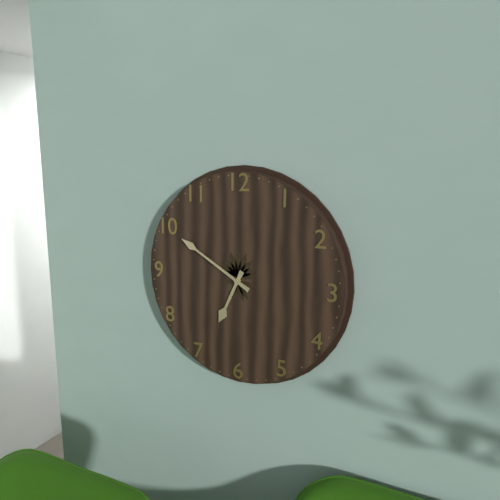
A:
6h50
